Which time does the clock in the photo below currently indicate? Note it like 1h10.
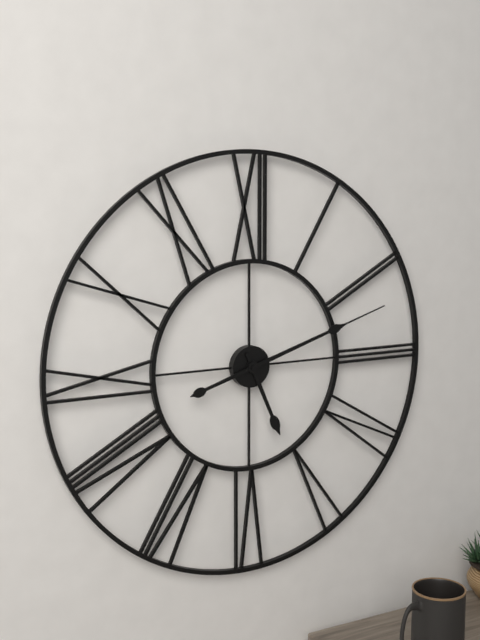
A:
5h12
